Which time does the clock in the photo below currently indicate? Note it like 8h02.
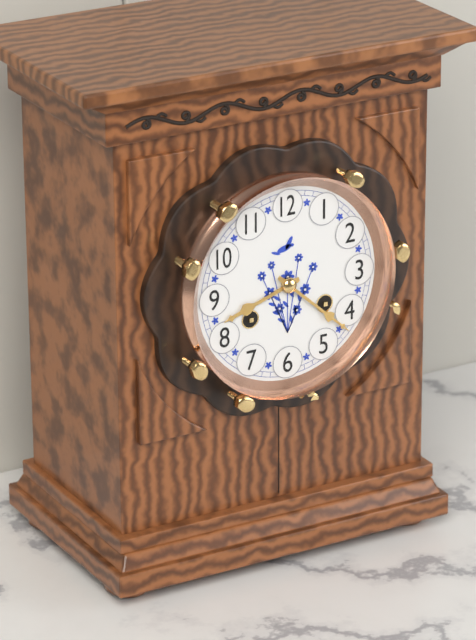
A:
8h22
